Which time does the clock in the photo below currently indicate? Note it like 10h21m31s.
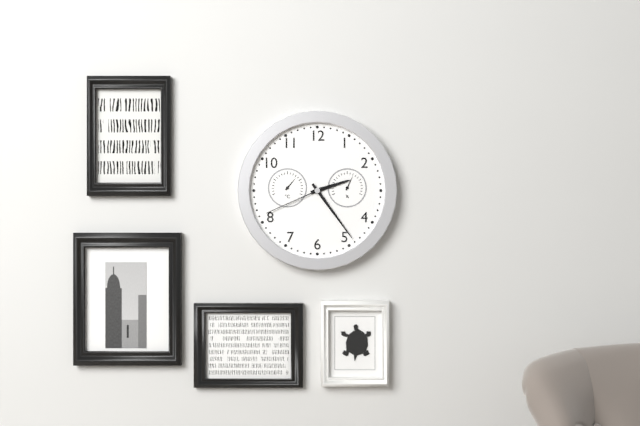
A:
2h24m41s
